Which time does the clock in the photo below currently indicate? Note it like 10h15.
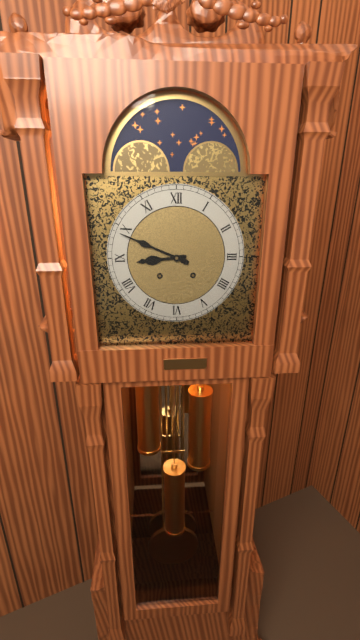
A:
8h49
